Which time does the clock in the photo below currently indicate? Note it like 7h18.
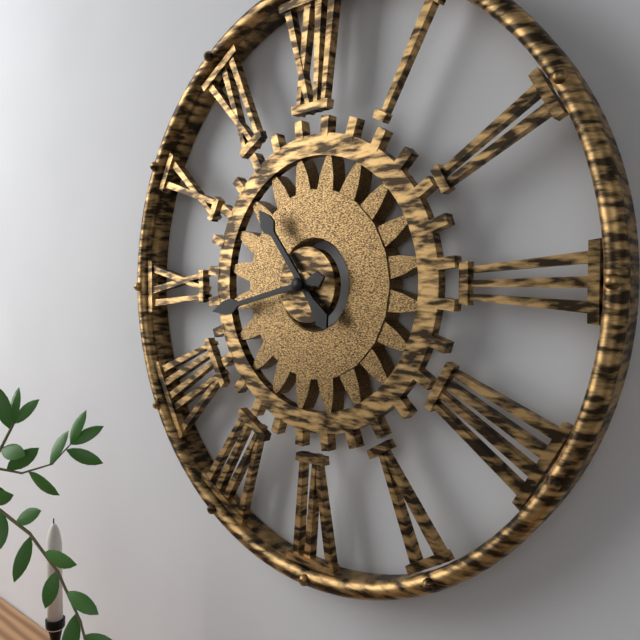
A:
10h43
